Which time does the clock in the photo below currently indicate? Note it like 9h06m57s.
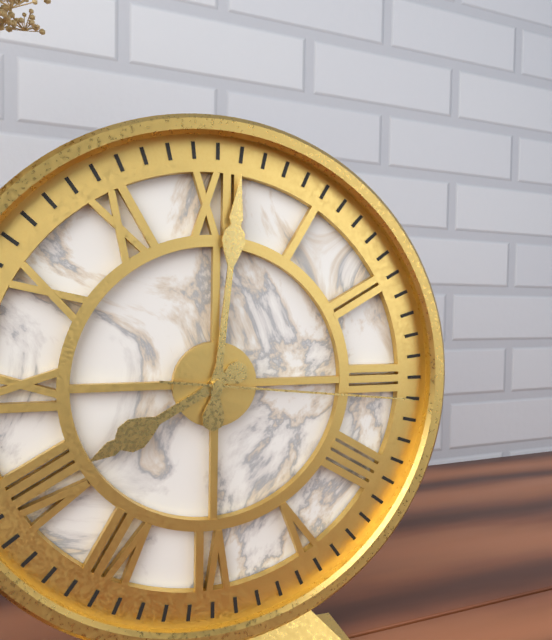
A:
8h01m16s
